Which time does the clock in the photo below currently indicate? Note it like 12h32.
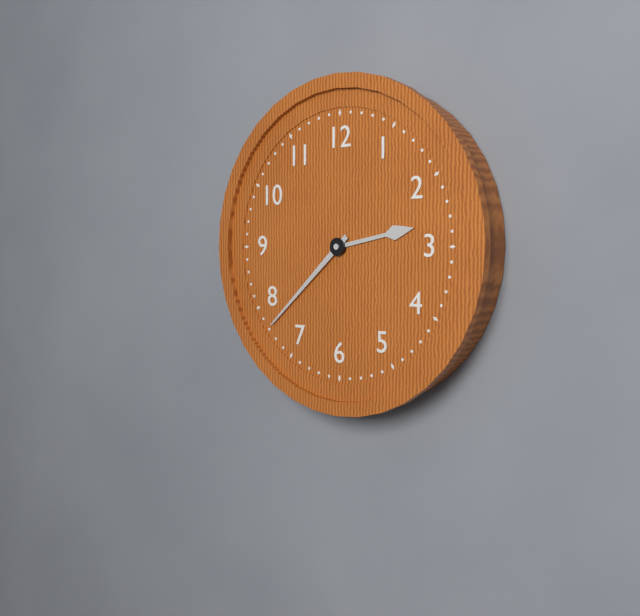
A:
2h38
